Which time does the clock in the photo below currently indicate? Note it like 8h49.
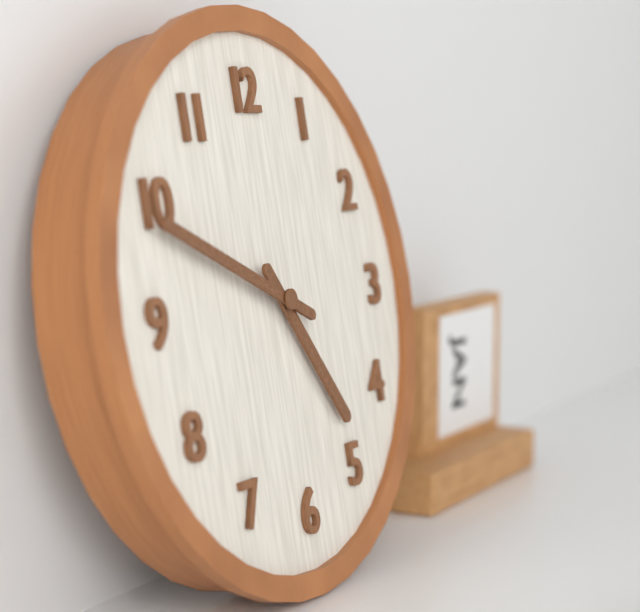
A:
4h49
